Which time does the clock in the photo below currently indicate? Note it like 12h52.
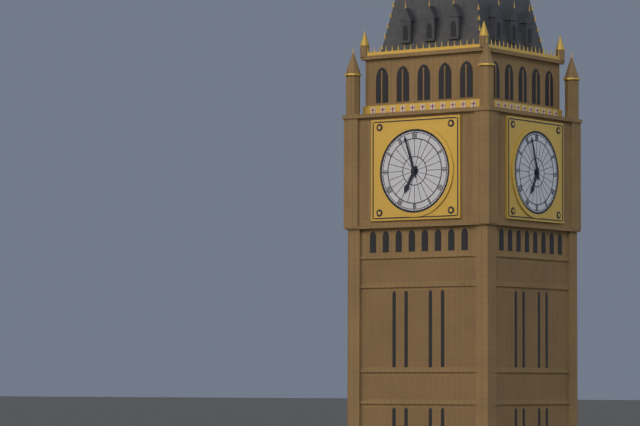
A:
6h57
